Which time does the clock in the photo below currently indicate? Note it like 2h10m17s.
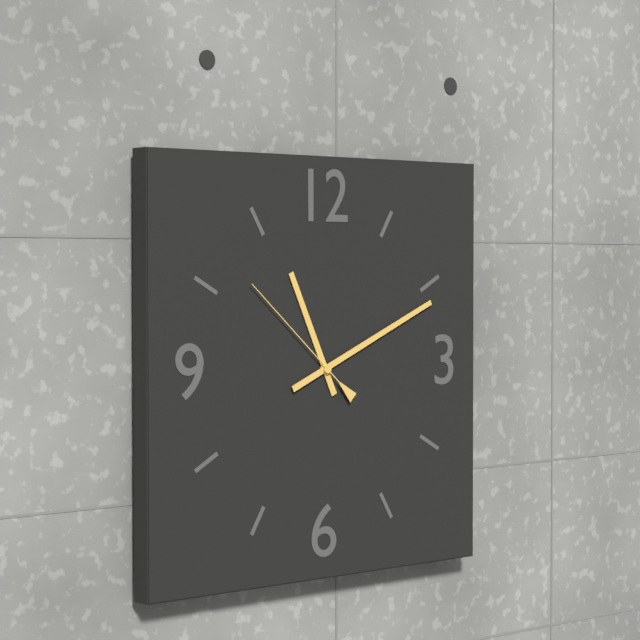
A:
11h11m52s
